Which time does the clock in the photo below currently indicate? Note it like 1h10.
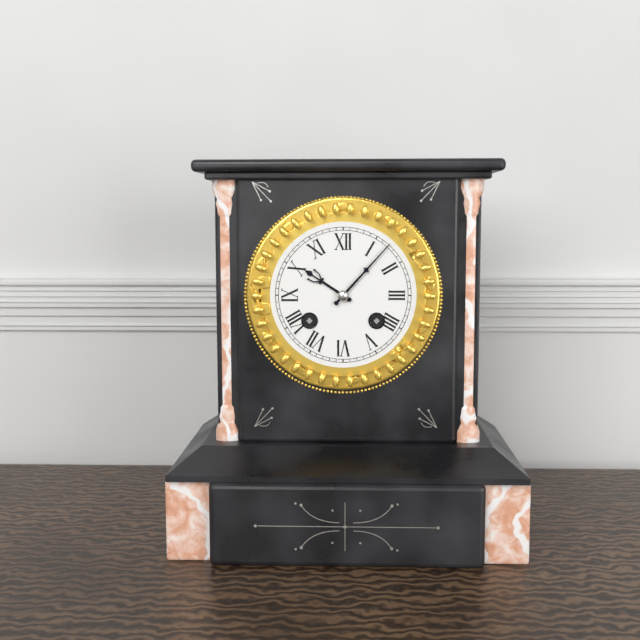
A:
10h07
